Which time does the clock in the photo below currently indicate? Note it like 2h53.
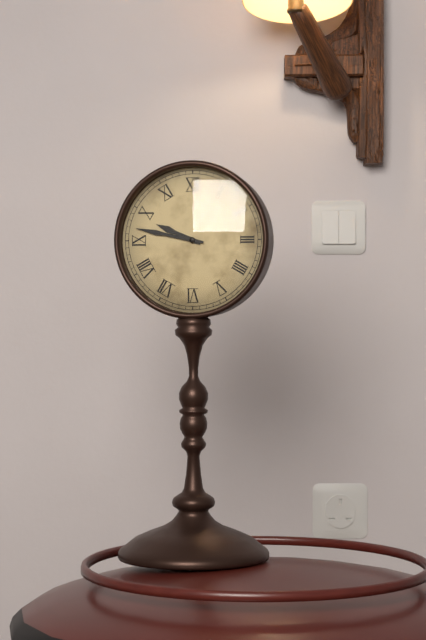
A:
9h47
